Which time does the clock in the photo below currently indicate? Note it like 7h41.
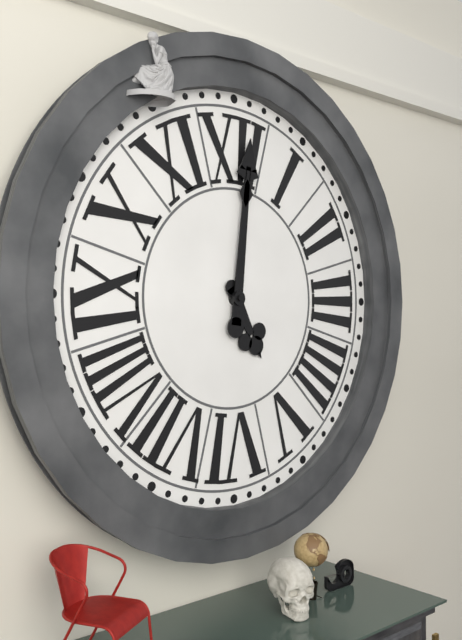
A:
5h01
